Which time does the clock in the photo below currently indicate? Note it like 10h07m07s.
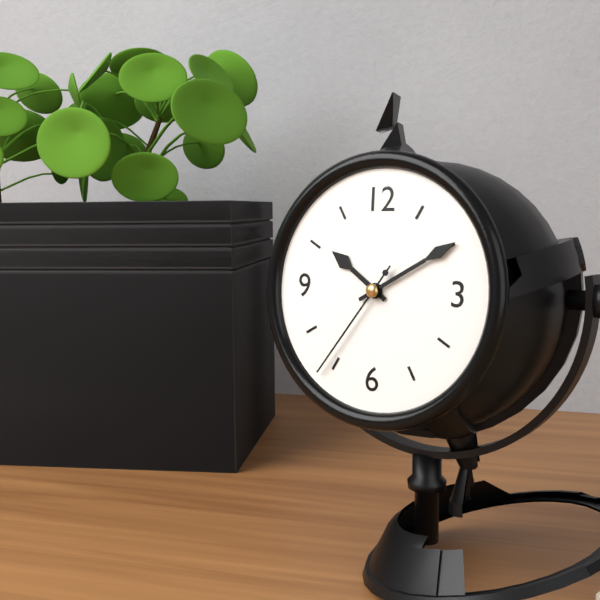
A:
10h10m36s
